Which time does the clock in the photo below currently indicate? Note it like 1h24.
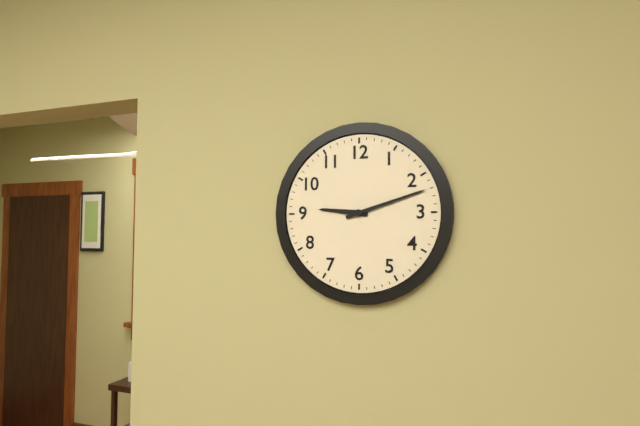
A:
9h12
